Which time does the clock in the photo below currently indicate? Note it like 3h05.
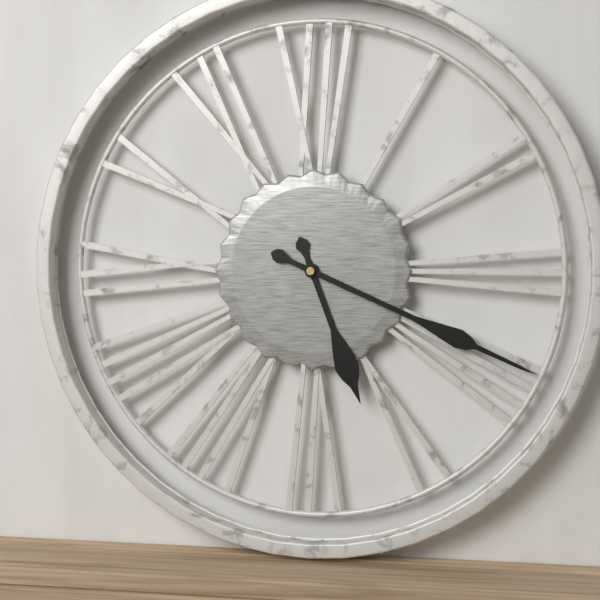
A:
5h19
